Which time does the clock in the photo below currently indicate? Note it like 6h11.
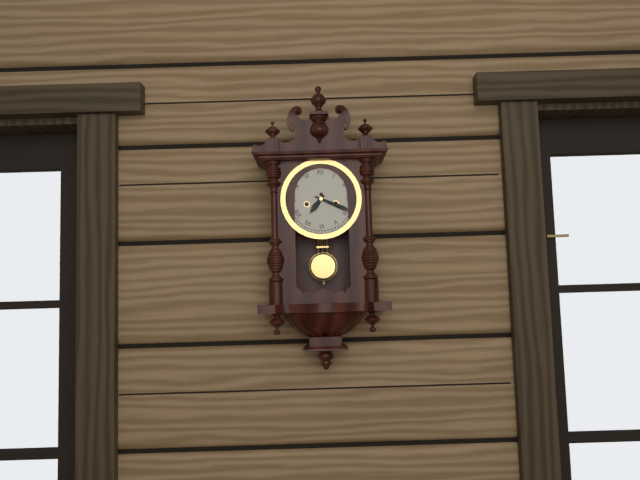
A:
7h19
